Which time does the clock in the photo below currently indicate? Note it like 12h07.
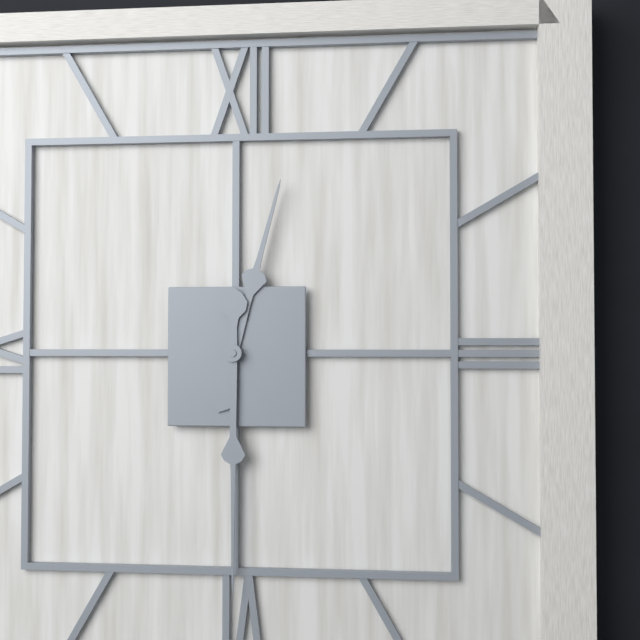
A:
12h30
